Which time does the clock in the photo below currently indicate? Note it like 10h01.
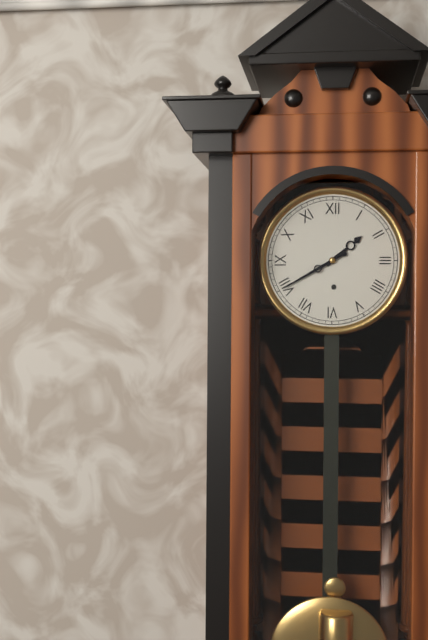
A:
1h40
